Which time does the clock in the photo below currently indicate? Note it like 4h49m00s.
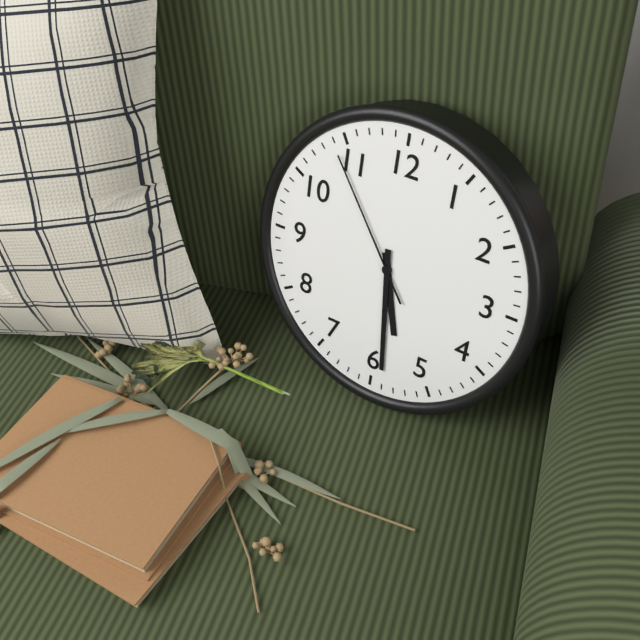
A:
5h29m54s
